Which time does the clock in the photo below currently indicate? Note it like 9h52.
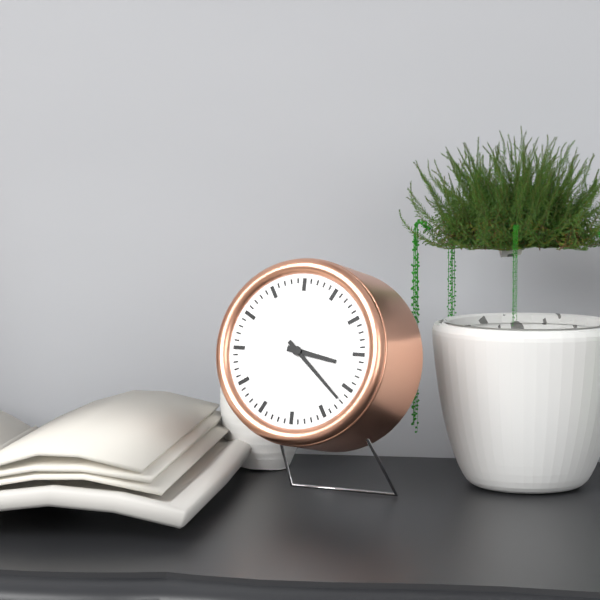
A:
3h22
